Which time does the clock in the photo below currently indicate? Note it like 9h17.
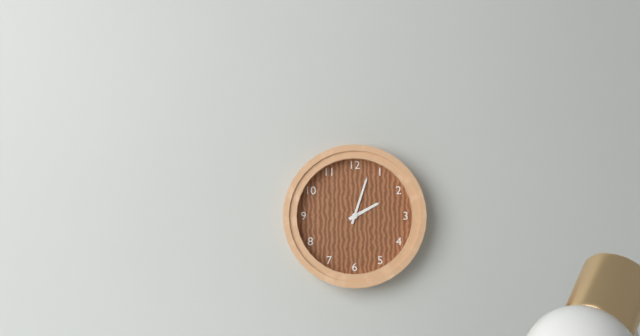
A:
2h03
